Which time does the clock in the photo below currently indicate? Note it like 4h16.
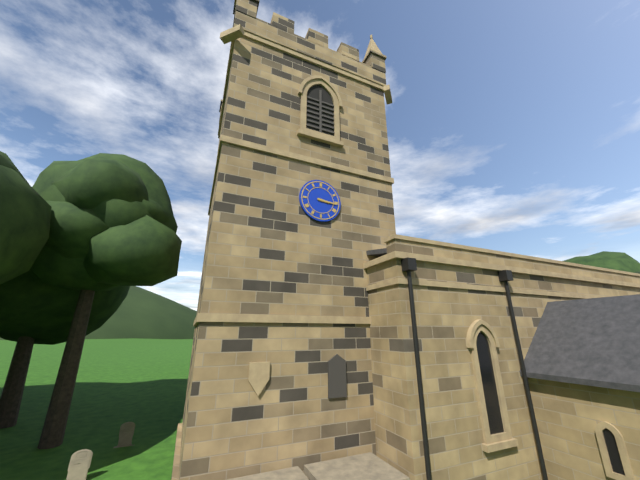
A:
3h16
